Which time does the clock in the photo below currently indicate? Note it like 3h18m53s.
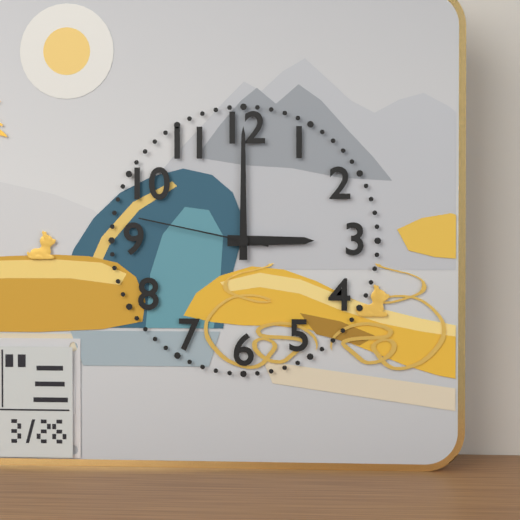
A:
3h00m47s
